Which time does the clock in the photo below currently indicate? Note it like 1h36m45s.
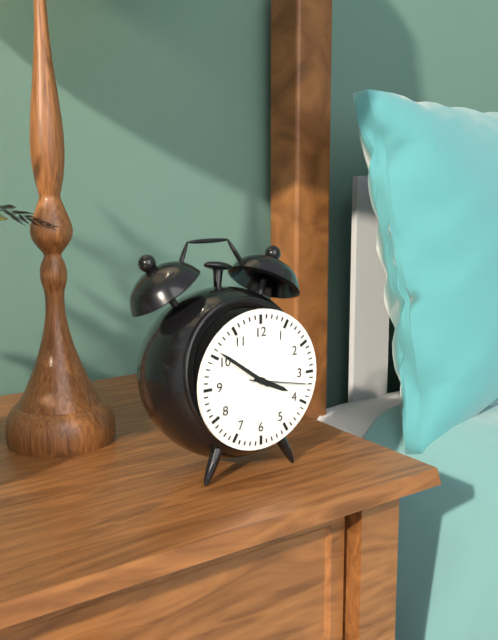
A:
3h51m17s
